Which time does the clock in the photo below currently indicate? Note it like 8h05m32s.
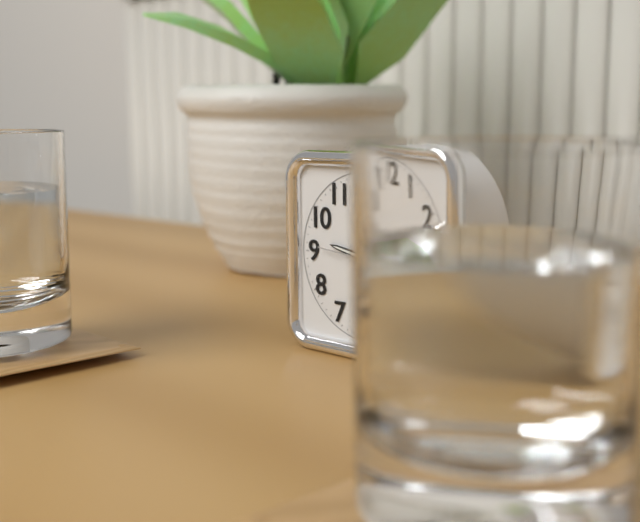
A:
9h24m46s
